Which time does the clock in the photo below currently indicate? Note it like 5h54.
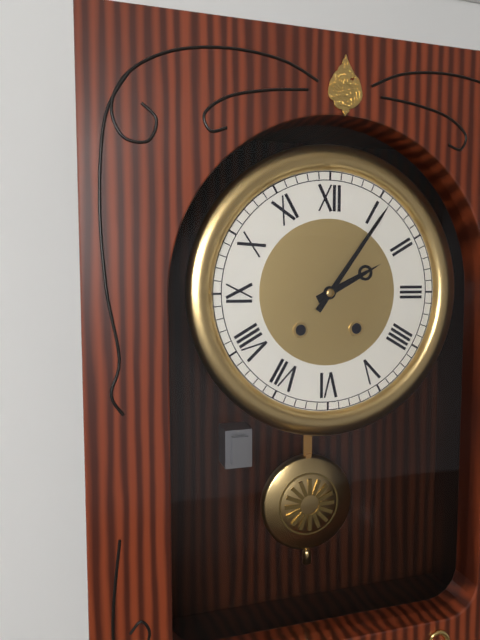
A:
2h06
